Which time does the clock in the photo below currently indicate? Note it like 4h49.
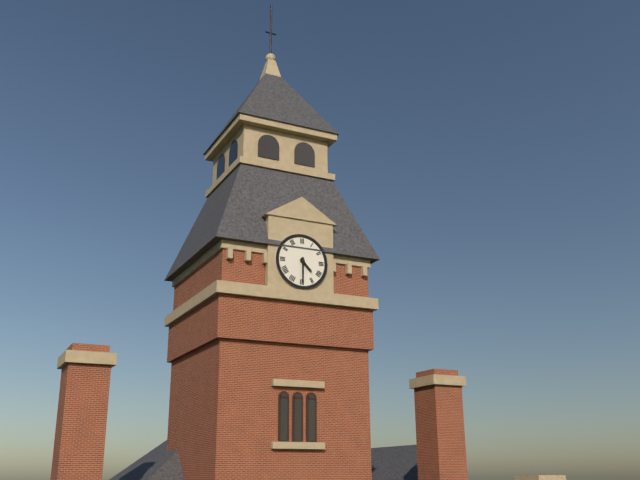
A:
4h30
